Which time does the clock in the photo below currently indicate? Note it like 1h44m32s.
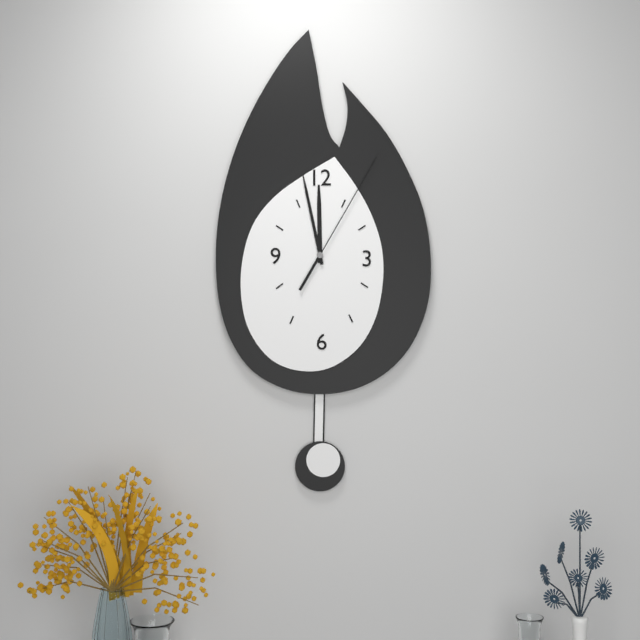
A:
11h58m05s
